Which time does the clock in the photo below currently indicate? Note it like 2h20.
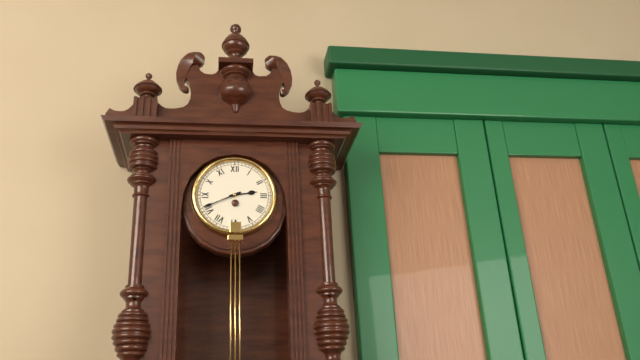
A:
2h41
